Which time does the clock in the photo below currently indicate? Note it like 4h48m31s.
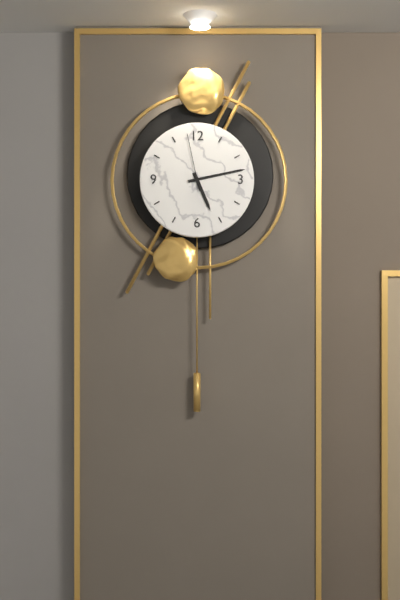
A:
5h13m58s
